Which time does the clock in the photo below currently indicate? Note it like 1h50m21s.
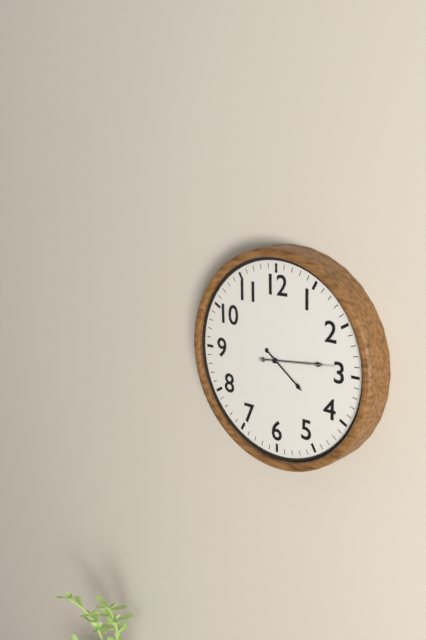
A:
4h14m14s
